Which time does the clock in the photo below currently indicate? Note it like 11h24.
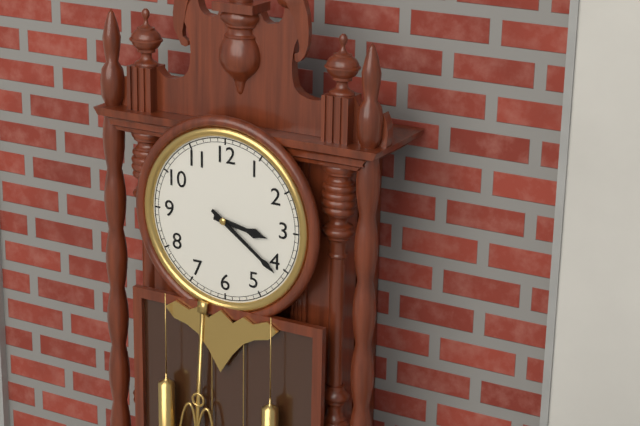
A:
3h21
